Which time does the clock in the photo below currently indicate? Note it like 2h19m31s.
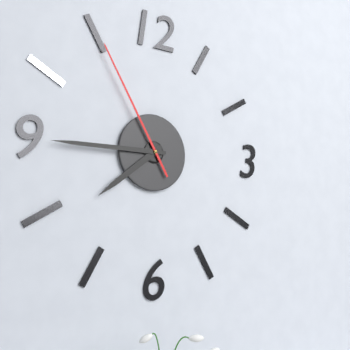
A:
7h45m55s
